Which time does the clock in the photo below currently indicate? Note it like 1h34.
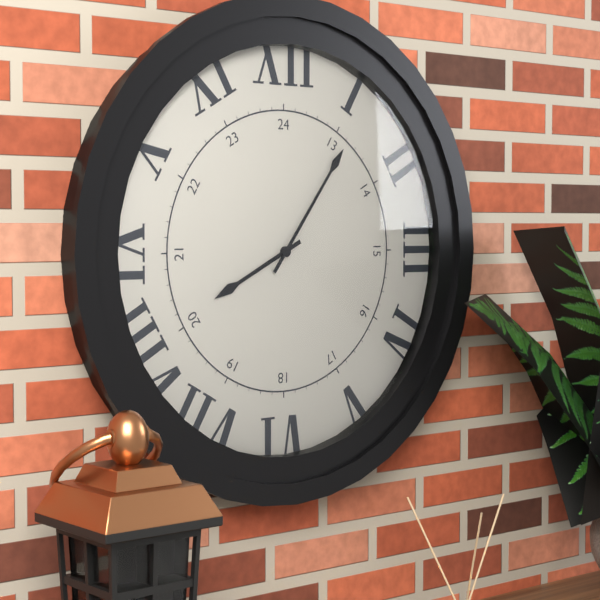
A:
8h06
